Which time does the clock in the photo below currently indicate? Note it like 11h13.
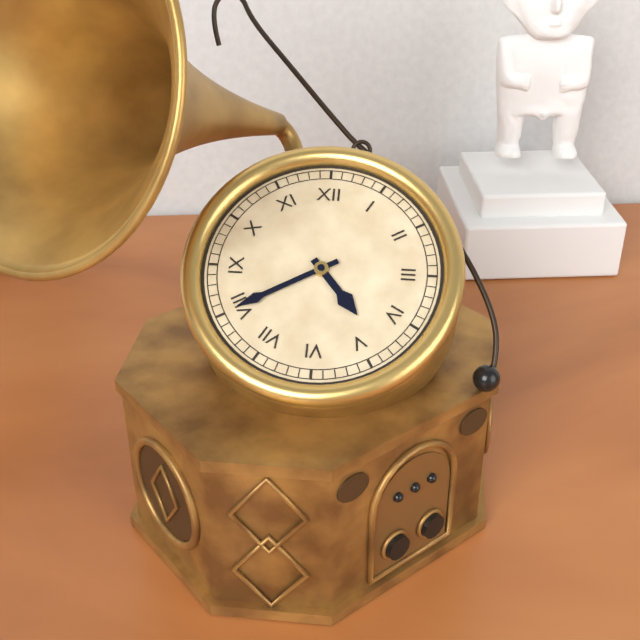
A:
4h40
